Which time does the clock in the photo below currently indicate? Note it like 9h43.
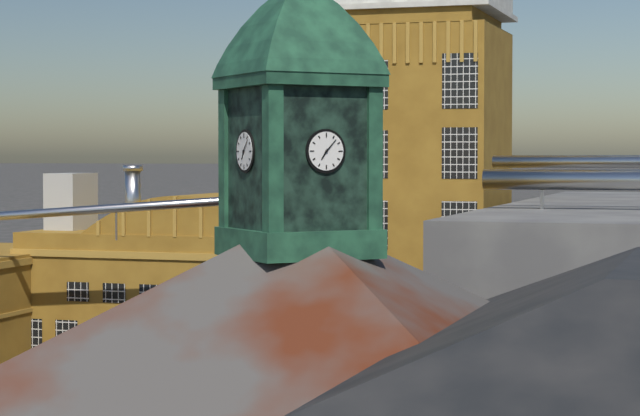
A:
7h07
